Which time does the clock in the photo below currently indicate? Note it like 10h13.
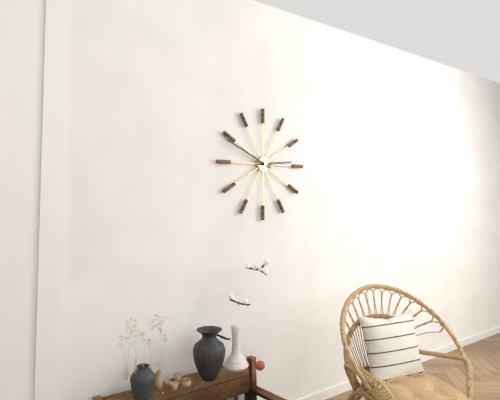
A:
2h49
